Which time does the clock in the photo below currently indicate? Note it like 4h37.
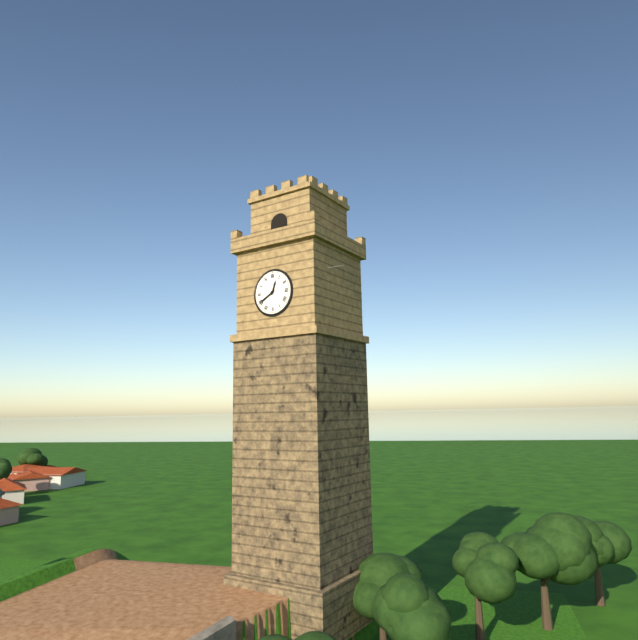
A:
12h40
